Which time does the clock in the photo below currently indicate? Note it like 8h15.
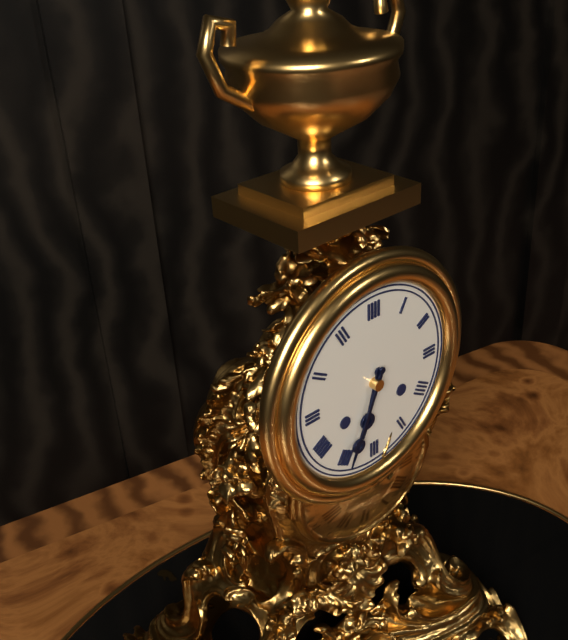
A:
6h34
